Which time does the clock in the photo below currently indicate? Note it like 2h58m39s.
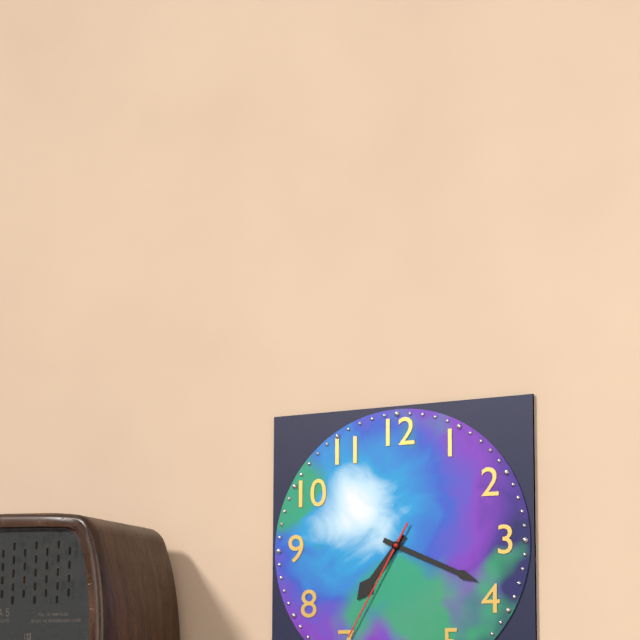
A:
7h19m35s
